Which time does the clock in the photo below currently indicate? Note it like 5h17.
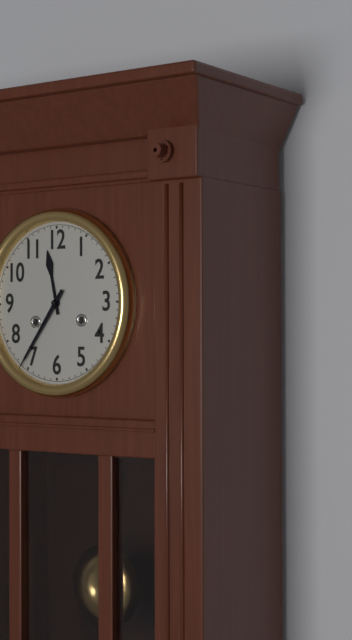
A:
11h36
